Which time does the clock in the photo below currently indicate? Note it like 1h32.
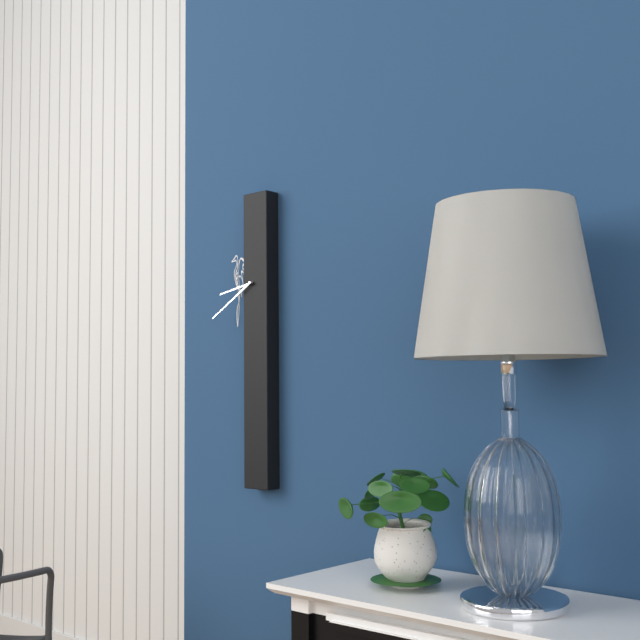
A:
8h40
